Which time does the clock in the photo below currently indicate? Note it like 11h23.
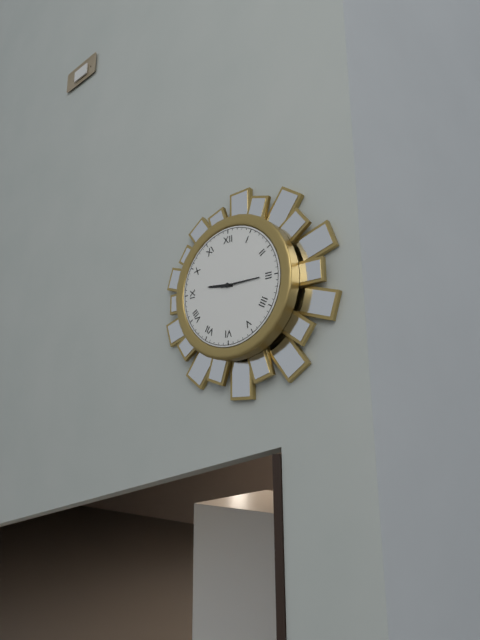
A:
9h15
